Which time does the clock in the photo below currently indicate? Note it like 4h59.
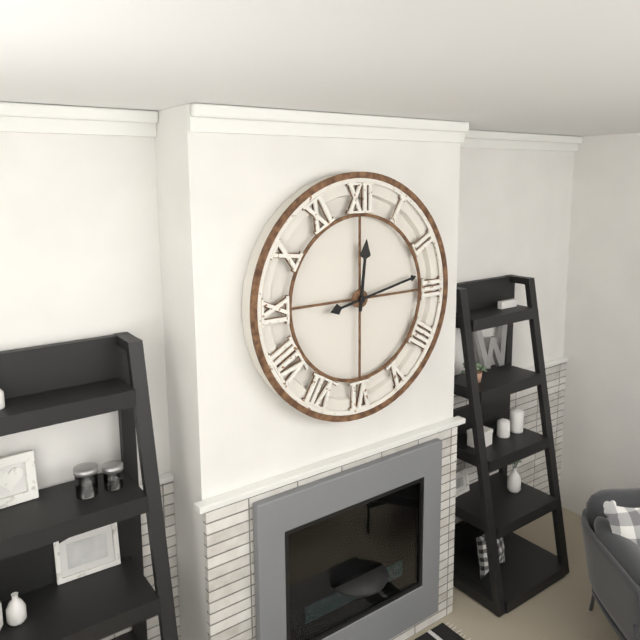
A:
12h13
